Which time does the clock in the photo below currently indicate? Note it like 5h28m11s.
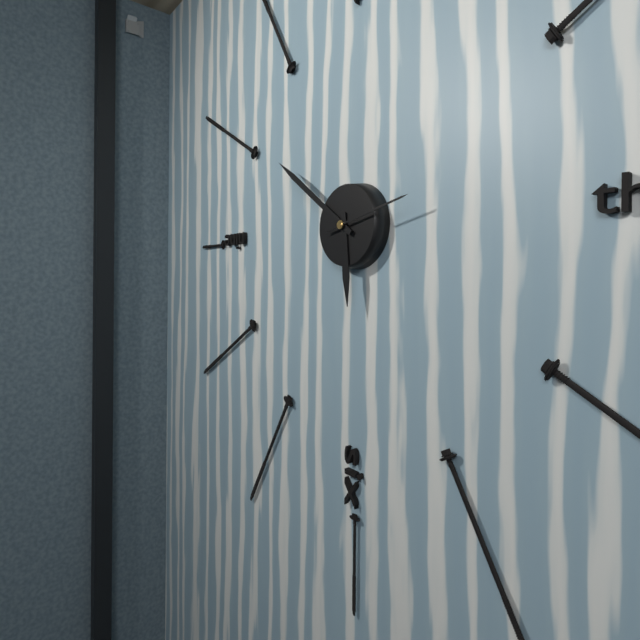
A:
5h51m13s
